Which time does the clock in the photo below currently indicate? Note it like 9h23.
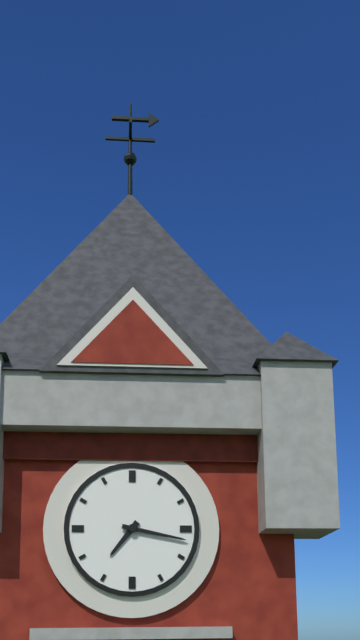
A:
7h17
